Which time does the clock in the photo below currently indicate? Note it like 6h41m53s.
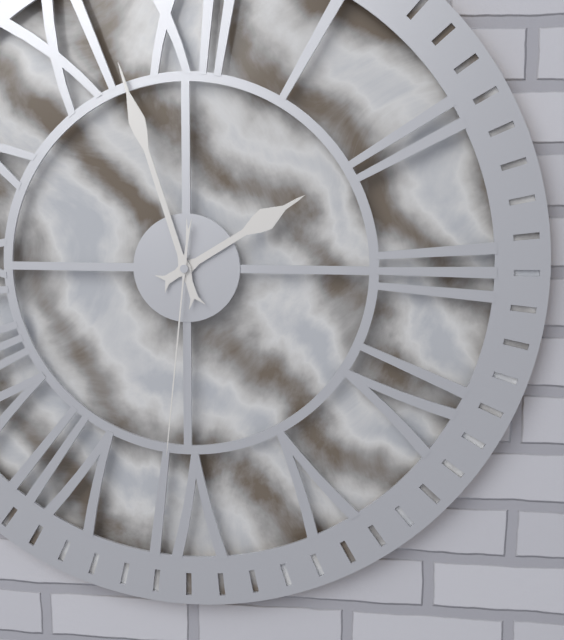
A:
1h57m31s
